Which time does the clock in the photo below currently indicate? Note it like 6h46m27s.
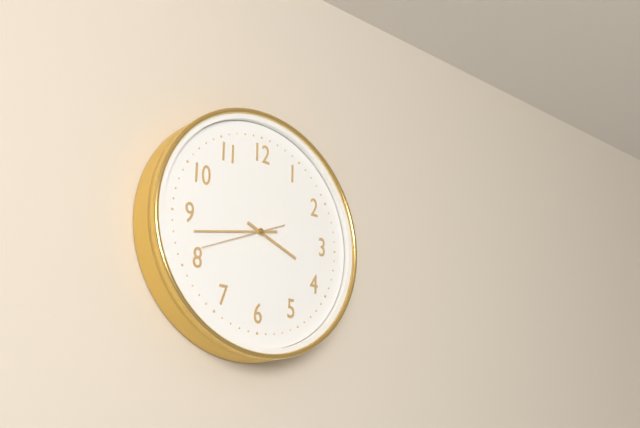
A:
3h43m41s
